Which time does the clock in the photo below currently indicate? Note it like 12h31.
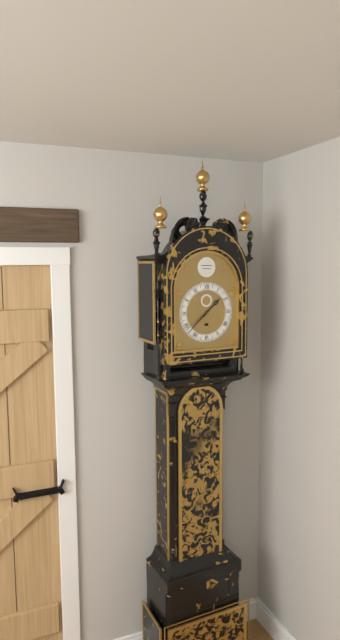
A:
1h38
